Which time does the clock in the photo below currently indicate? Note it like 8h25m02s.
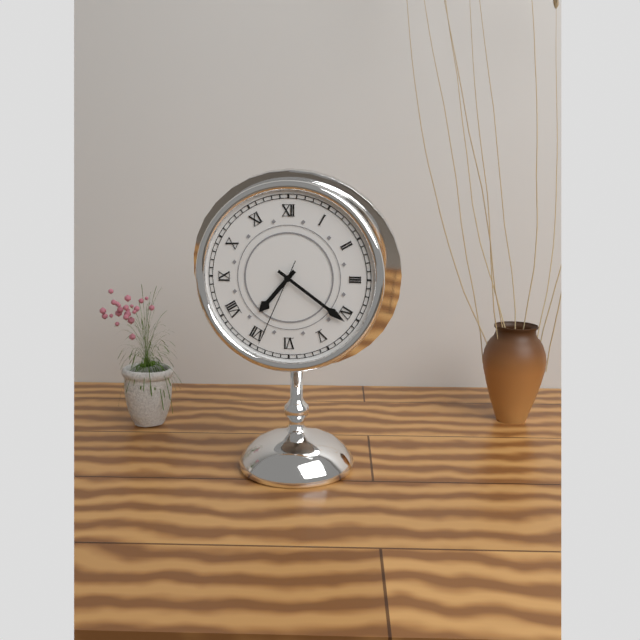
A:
7h21m34s
